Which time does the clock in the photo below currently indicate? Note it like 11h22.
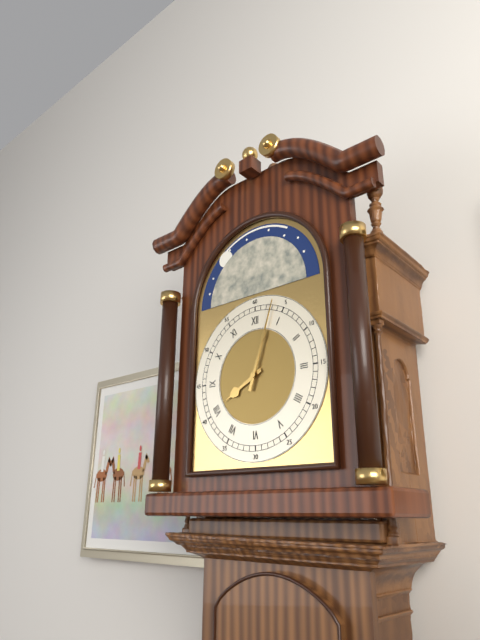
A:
8h03
